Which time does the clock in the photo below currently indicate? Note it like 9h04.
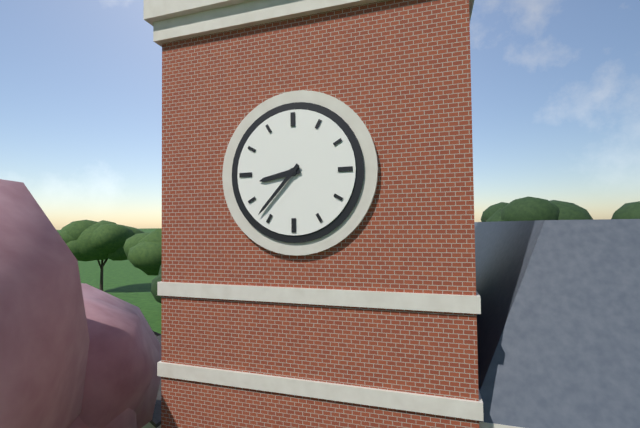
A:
8h37
